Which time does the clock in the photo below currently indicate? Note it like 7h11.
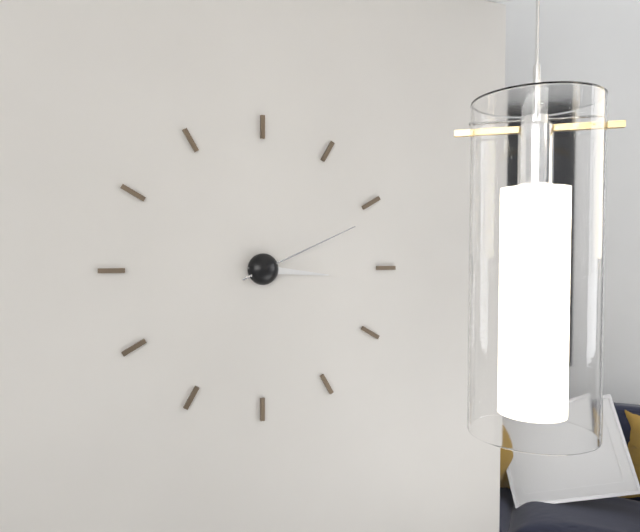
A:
3h11
